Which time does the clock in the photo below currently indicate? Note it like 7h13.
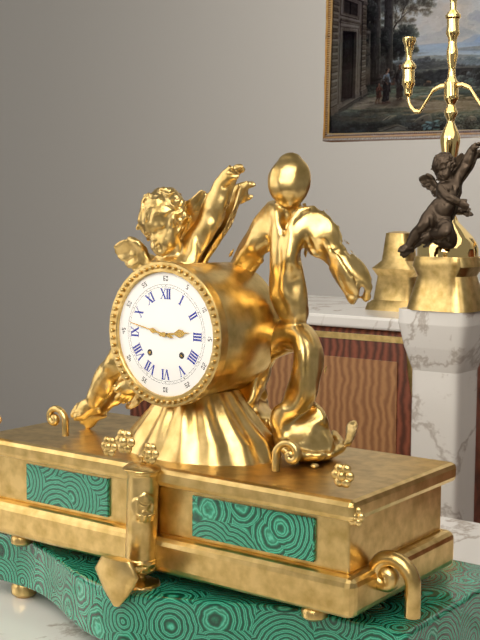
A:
2h47
